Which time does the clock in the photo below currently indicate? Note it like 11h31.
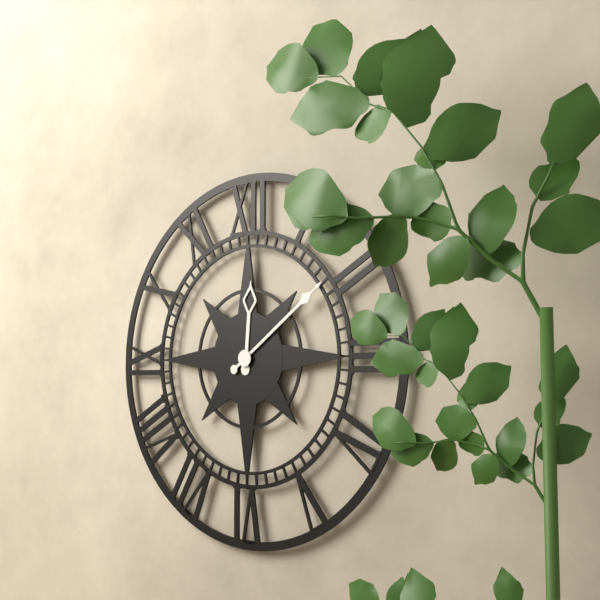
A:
12h09
